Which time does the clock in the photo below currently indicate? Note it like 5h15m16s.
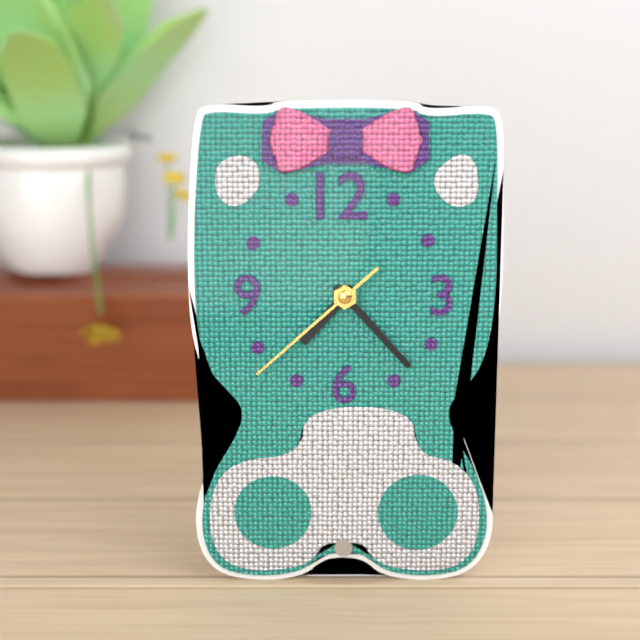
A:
7h23m38s
